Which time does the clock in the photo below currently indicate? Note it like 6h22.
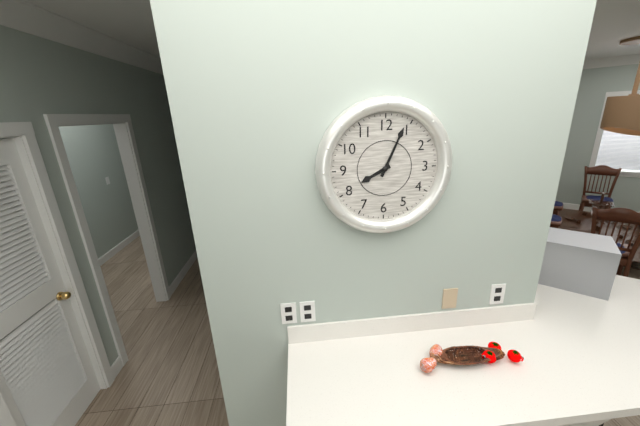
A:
8h04
